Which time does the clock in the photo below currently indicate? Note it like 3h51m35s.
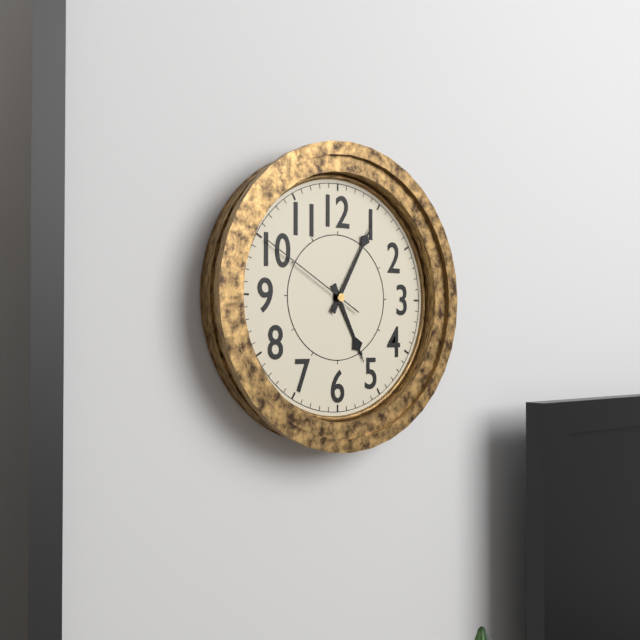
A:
5h05m50s
